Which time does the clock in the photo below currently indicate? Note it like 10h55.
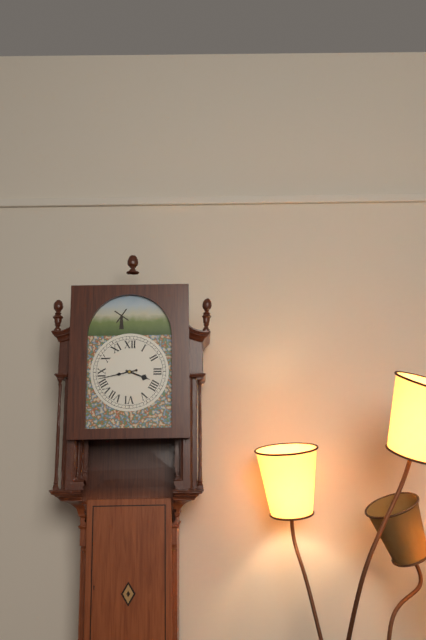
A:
3h43
